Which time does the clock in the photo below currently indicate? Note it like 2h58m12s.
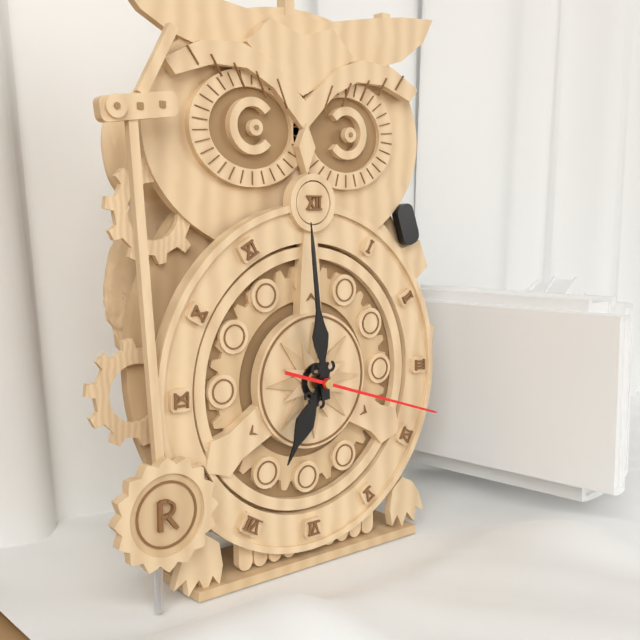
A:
6h59m18s
